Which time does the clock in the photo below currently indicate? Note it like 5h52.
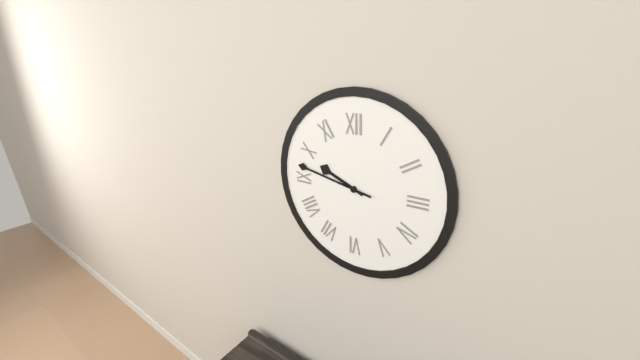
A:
9h47
